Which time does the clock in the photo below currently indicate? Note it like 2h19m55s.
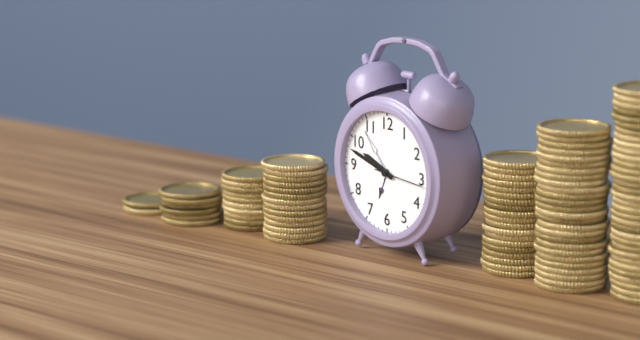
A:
9h48m16s
